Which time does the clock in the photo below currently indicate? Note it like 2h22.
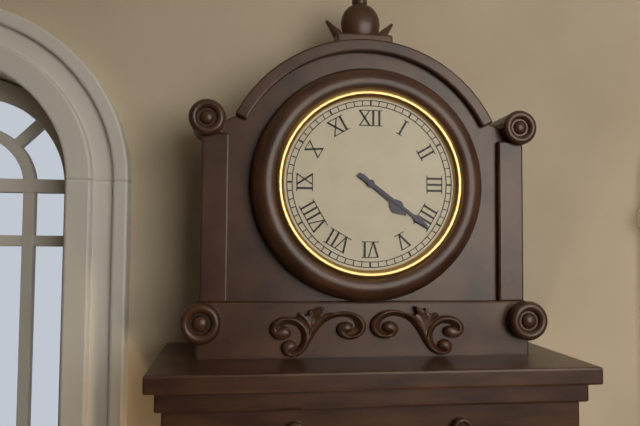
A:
4h21
